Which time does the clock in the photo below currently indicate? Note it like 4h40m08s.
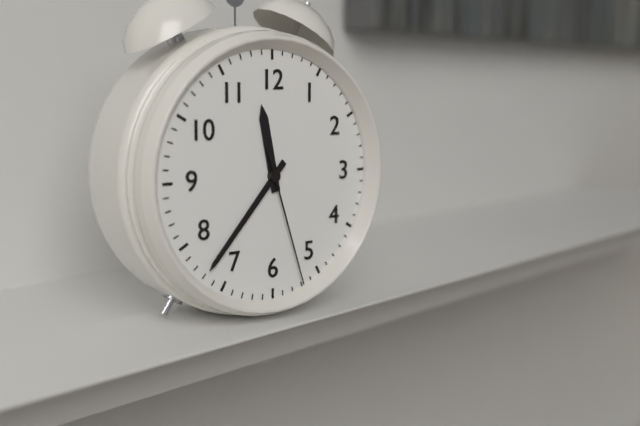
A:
11h37m27s
